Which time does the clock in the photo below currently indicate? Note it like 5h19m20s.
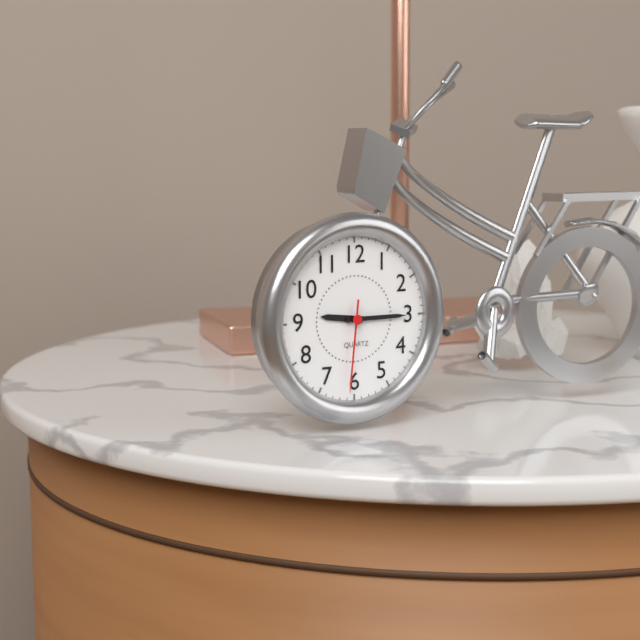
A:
9h15m31s
